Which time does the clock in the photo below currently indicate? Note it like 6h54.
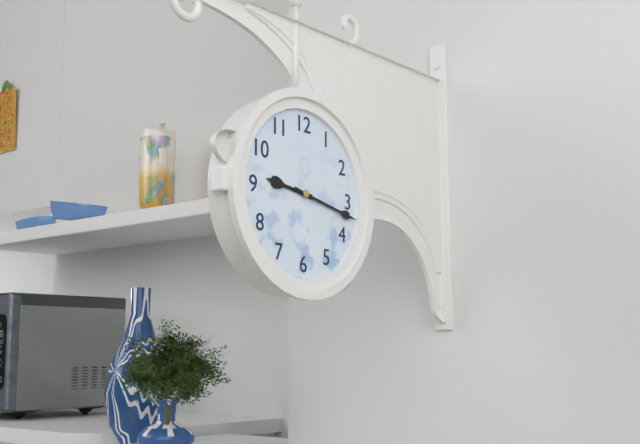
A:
9h17
